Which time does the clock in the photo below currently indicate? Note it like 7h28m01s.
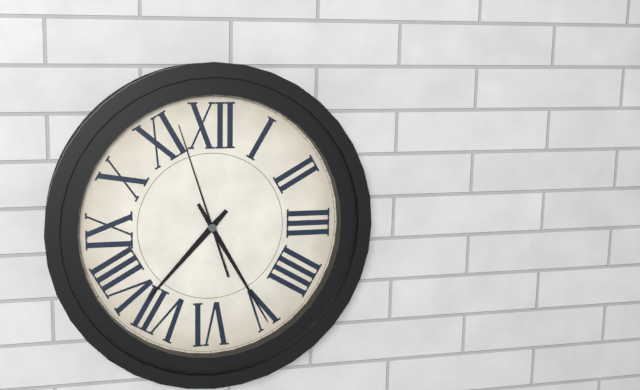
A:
7h25m57s
